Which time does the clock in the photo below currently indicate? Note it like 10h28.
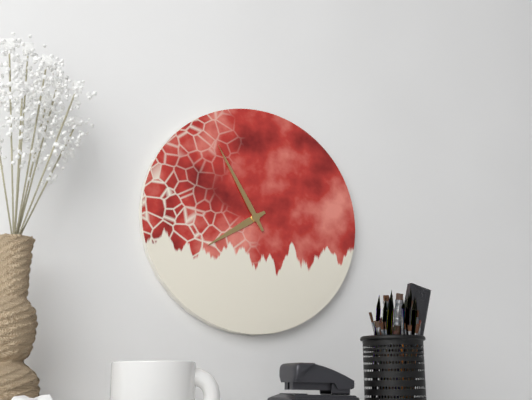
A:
7h55
